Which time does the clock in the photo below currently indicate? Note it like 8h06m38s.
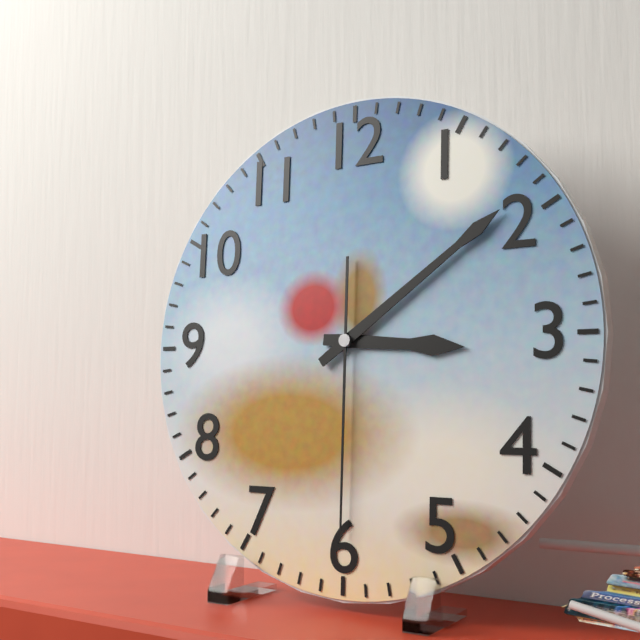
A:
3h09m30s
